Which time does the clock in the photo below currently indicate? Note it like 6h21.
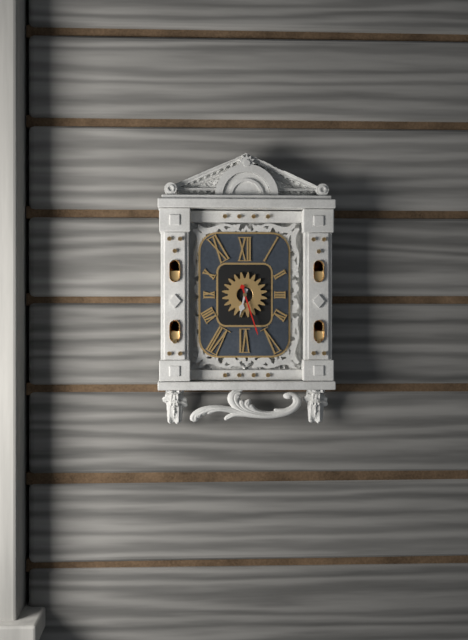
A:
6h27
